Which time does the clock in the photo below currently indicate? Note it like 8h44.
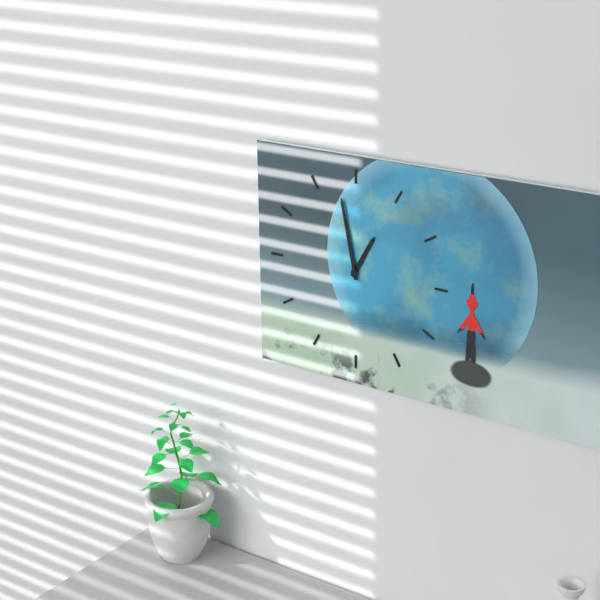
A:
12h58
